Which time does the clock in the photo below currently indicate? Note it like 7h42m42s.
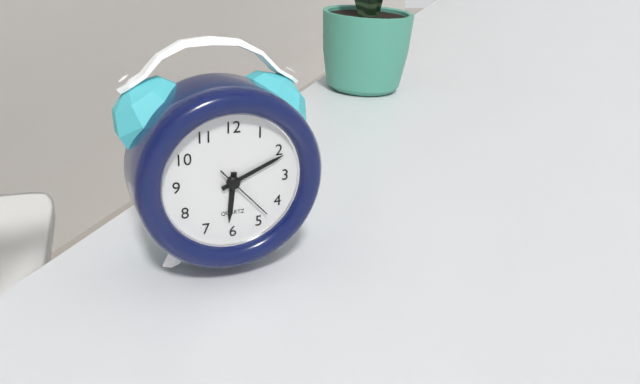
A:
6h11m23s
